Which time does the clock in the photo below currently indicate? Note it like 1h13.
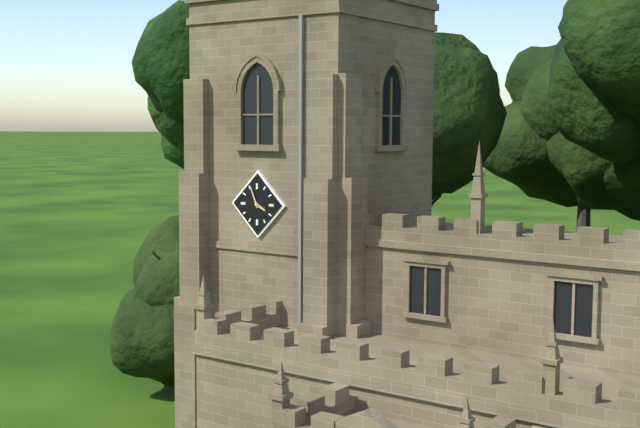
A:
3h56
